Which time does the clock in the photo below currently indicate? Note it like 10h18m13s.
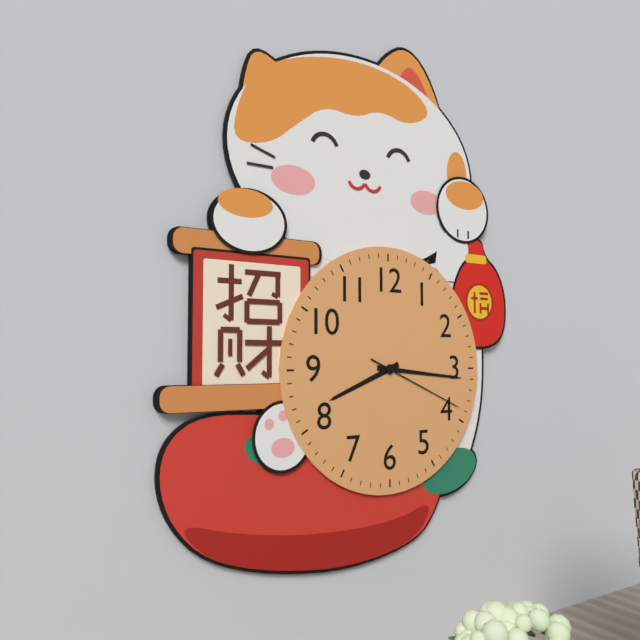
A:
8h16m19s
